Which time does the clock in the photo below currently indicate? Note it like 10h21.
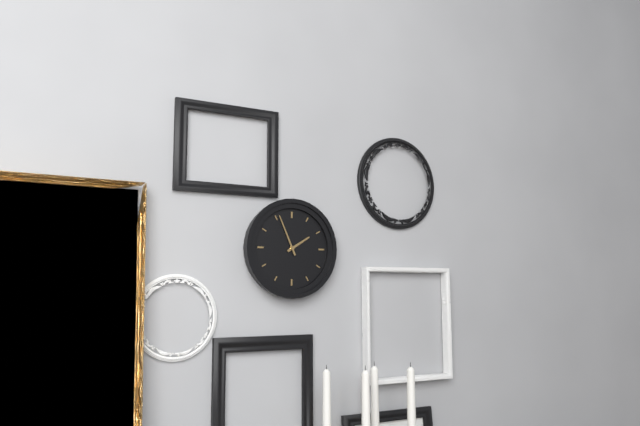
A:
1h56
